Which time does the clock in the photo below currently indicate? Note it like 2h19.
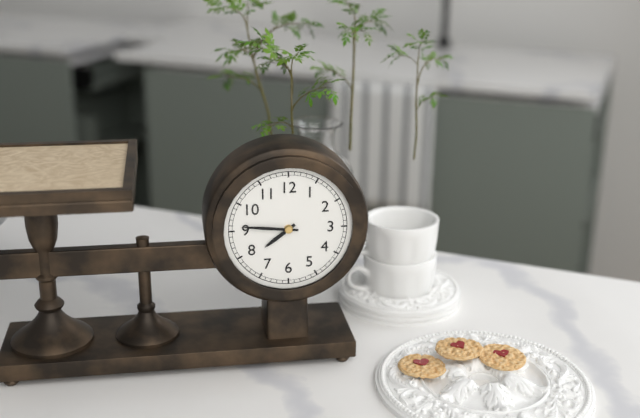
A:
7h46
